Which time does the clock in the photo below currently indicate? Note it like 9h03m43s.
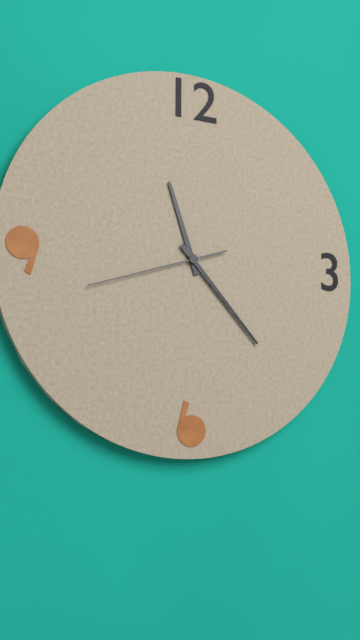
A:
11h23m42s
